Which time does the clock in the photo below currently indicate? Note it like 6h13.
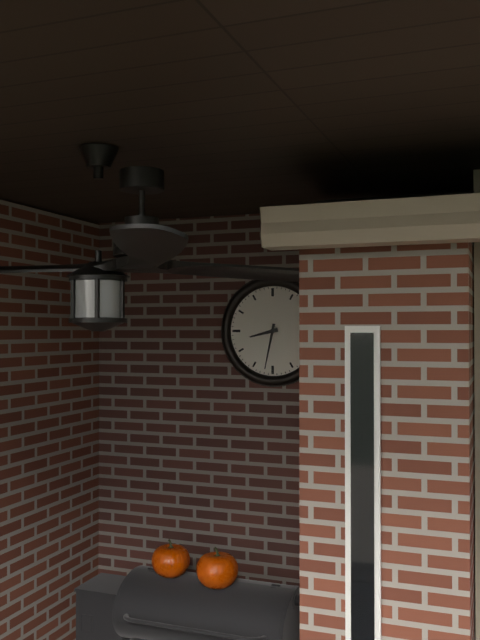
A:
8h32
